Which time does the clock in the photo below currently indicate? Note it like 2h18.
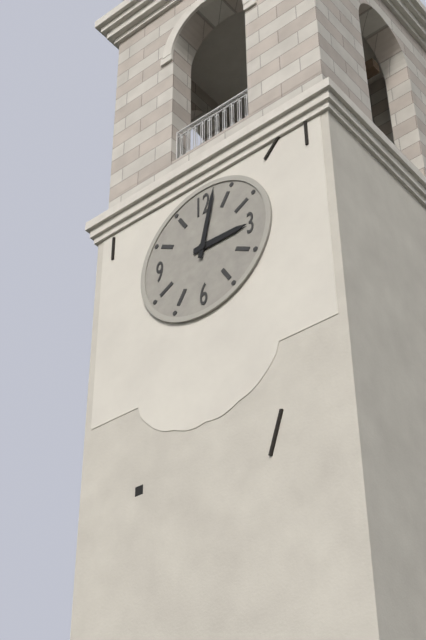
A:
3h02
